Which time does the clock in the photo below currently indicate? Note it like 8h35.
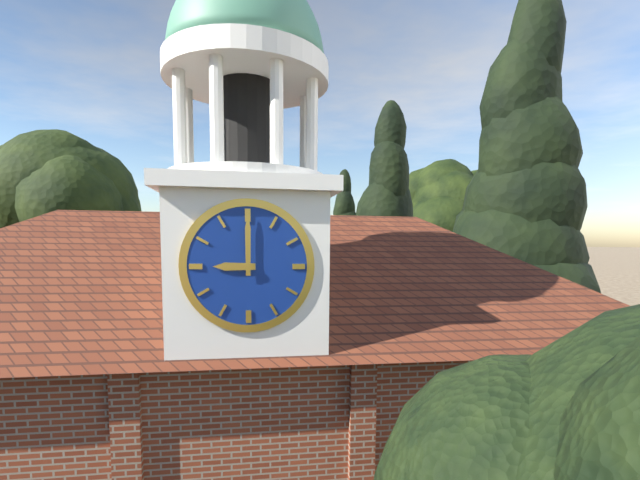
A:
9h00
